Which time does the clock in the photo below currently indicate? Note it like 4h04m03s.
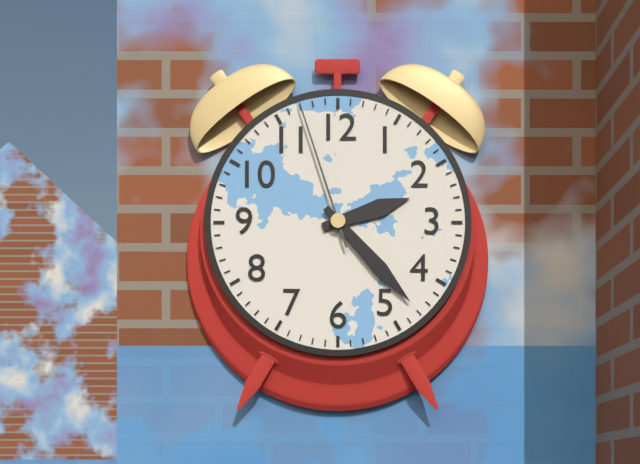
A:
2h23m57s
